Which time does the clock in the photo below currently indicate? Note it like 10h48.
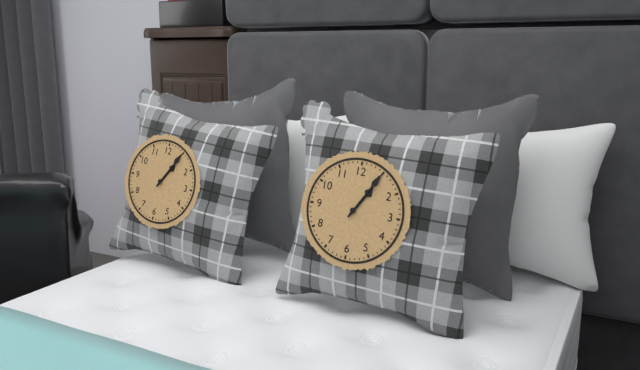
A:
1h05
